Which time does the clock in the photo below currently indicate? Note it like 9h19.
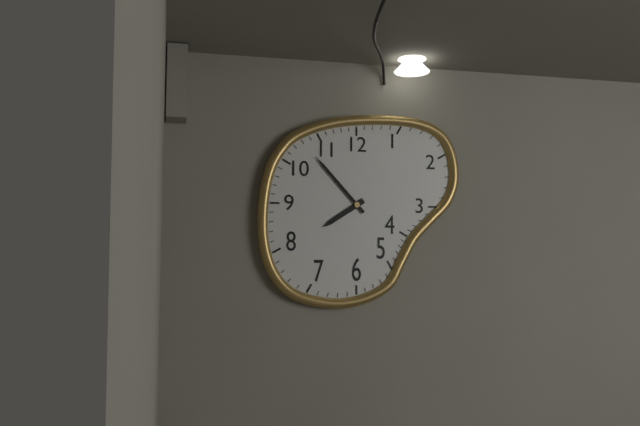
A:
7h53
